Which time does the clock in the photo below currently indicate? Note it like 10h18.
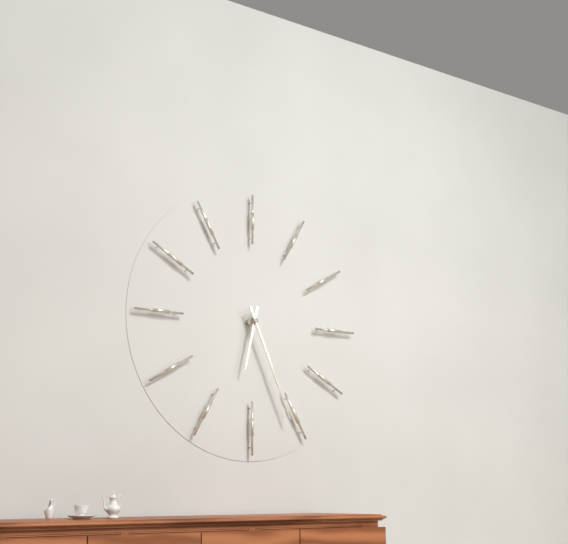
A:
6h26
